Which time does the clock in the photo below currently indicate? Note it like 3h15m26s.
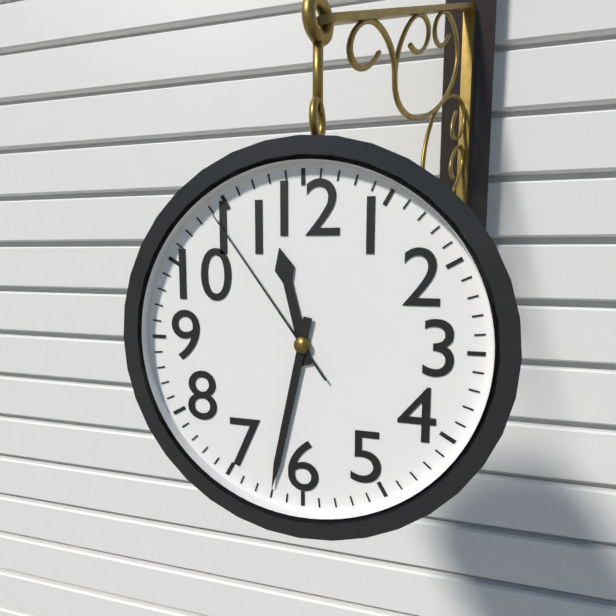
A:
11h32m54s
